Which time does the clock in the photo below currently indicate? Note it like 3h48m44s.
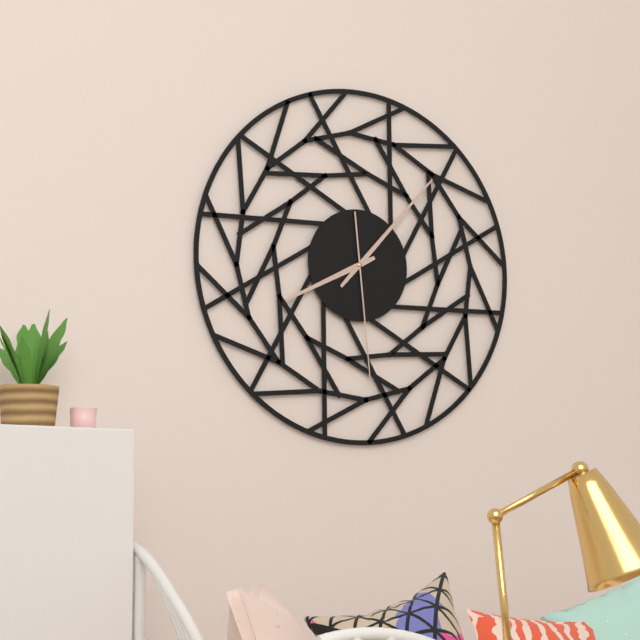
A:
8h07m29s
